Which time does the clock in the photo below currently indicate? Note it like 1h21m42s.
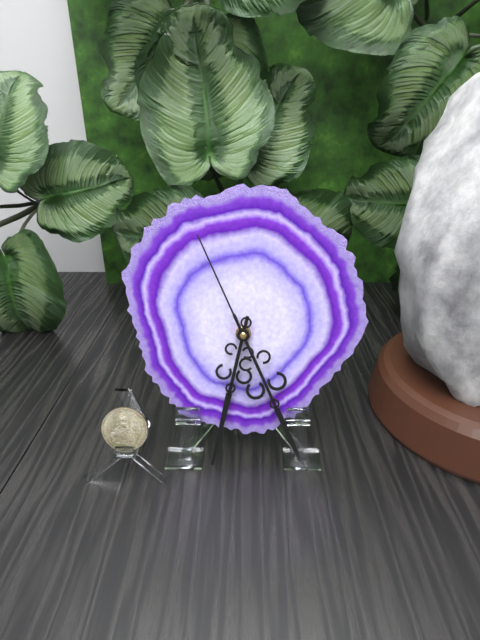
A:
6h26m56s
